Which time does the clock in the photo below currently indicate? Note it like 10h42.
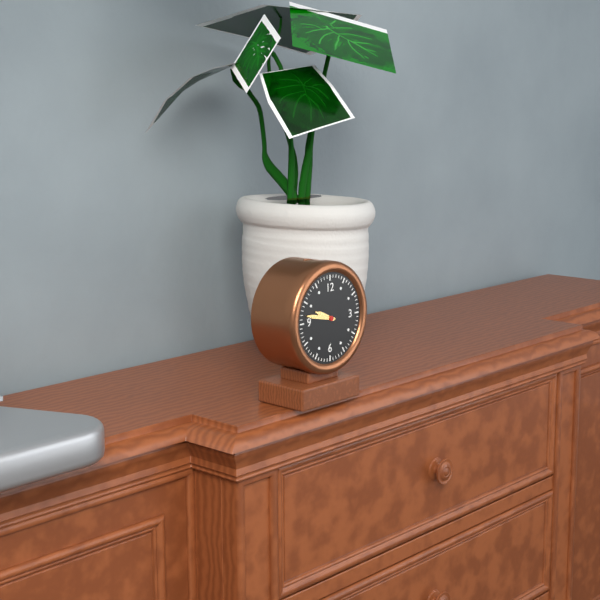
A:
9h47
